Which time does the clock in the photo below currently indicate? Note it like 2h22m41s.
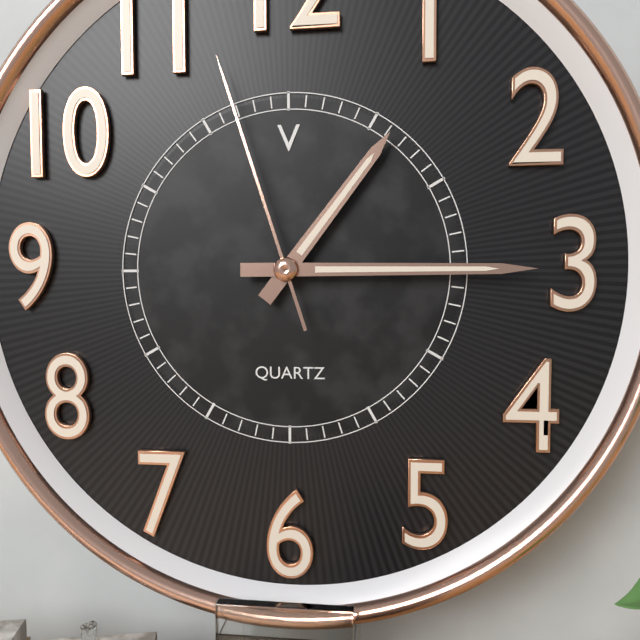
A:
1h15m57s
